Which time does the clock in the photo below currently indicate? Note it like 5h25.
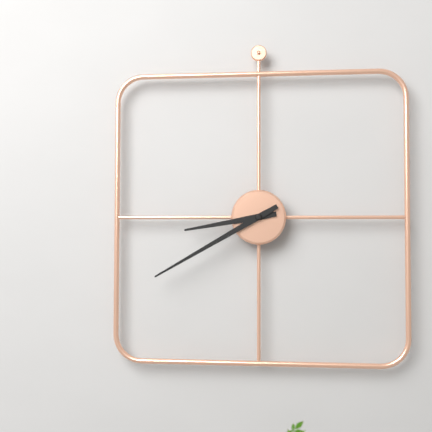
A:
8h40
